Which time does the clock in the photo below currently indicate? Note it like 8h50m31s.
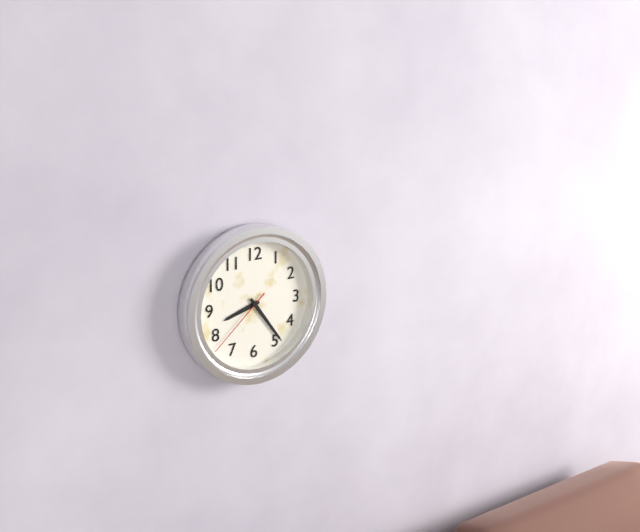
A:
8h24m38s
